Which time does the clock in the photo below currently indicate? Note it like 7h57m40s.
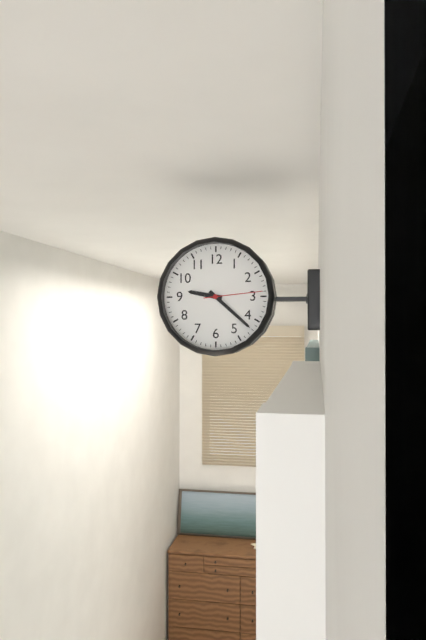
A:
9h22m14s
